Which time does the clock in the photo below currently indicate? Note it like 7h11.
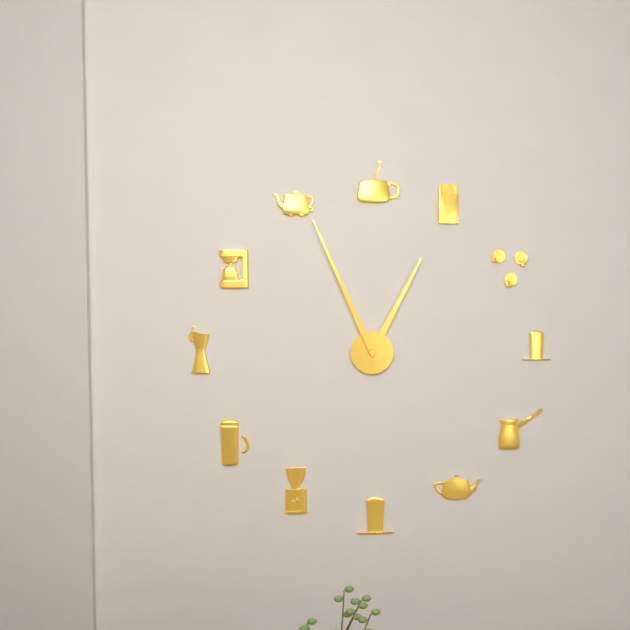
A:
12h56
